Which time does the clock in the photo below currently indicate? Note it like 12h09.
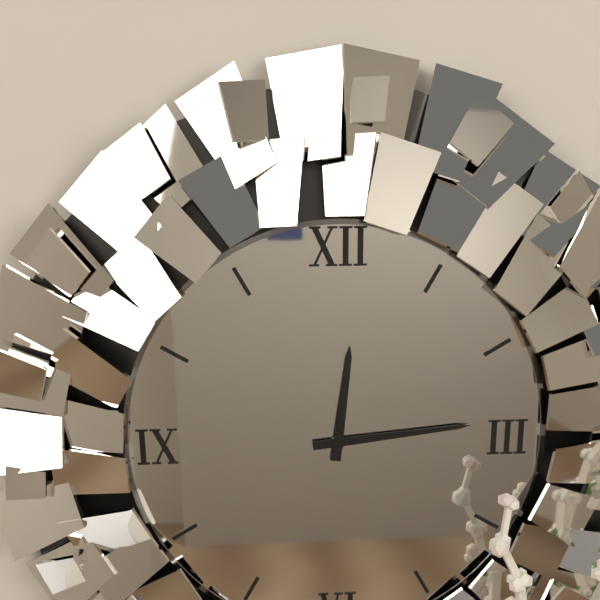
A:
12h14
